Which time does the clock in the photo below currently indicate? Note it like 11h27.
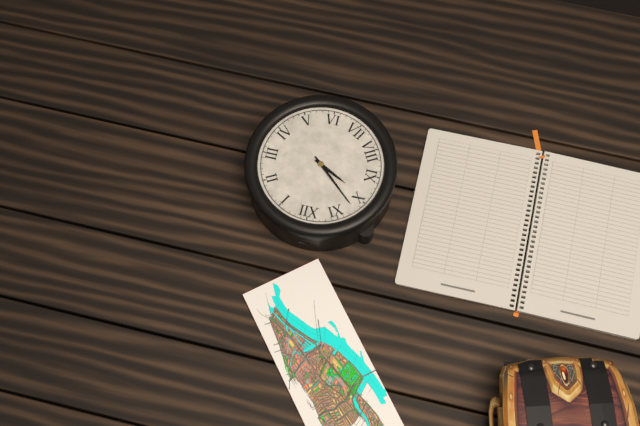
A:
9h52
